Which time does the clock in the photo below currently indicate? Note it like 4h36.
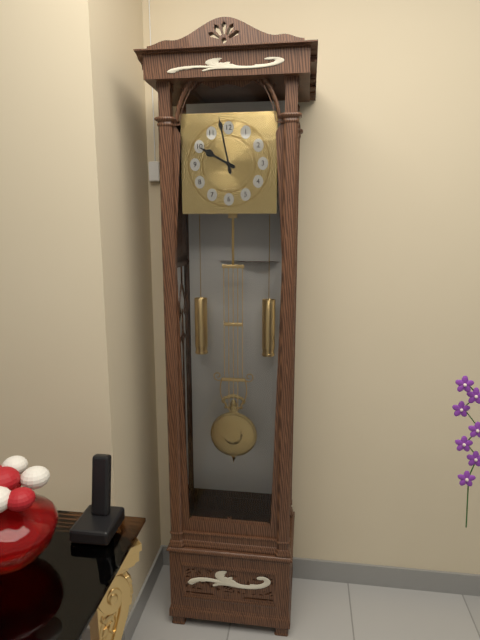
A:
9h58
